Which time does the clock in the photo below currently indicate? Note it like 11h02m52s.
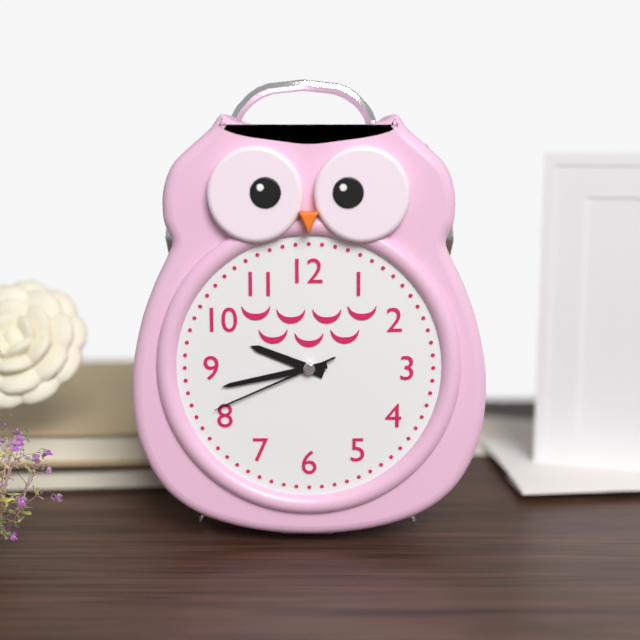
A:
9h43m41s
